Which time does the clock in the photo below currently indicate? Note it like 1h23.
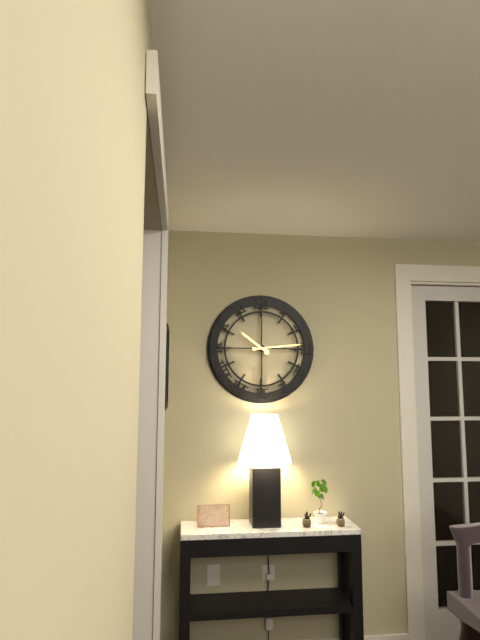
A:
10h14
